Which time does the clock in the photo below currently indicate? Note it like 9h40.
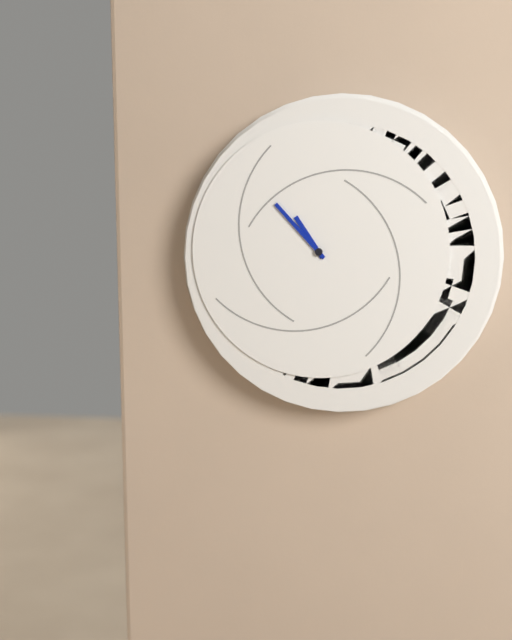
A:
10h53
